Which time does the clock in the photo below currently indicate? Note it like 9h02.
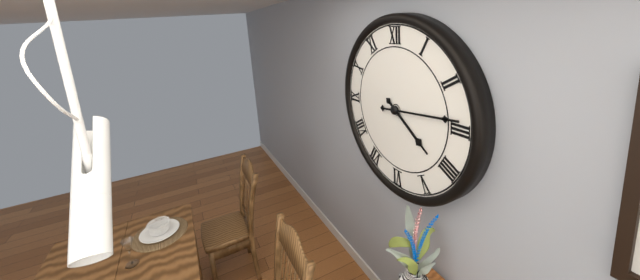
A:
4h14
